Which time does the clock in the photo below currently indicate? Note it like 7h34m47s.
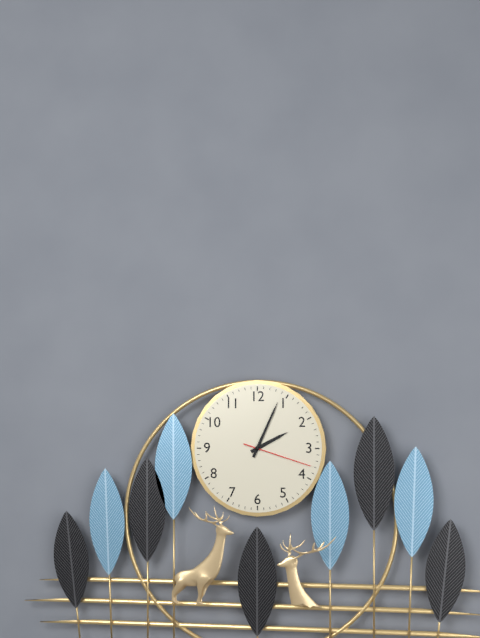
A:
2h04m18s
